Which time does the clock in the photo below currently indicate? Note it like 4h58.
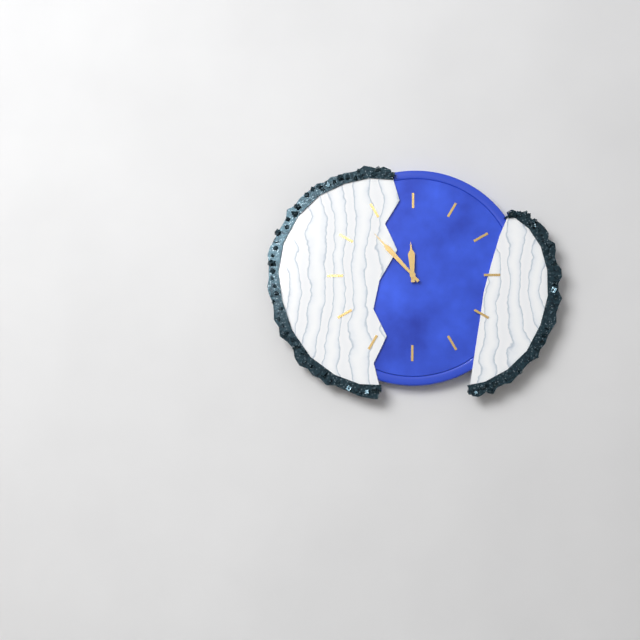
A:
11h53
